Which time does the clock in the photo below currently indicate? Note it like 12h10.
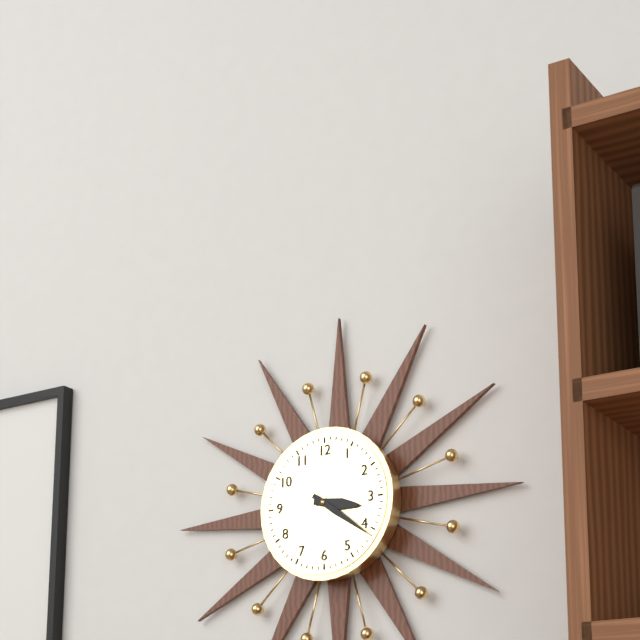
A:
3h21
